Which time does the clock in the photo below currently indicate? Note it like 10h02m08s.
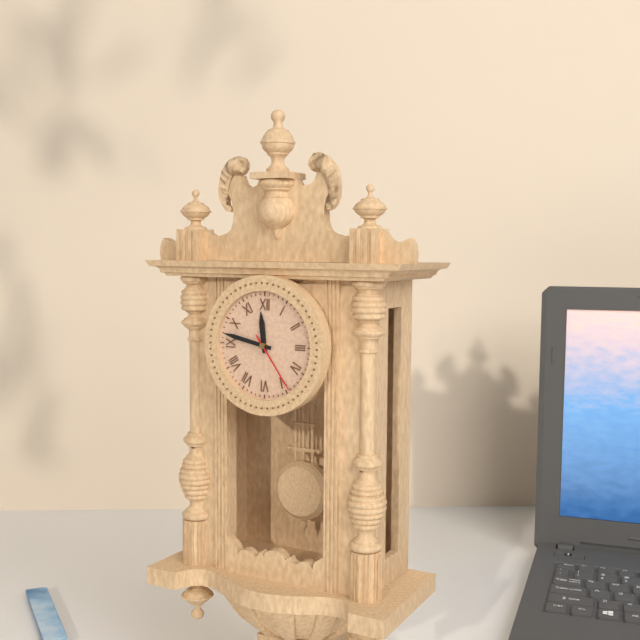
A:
11h47m24s
